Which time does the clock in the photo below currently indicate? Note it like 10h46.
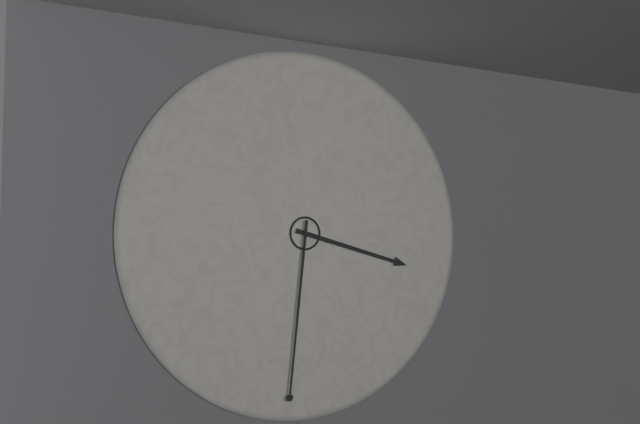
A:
3h31
